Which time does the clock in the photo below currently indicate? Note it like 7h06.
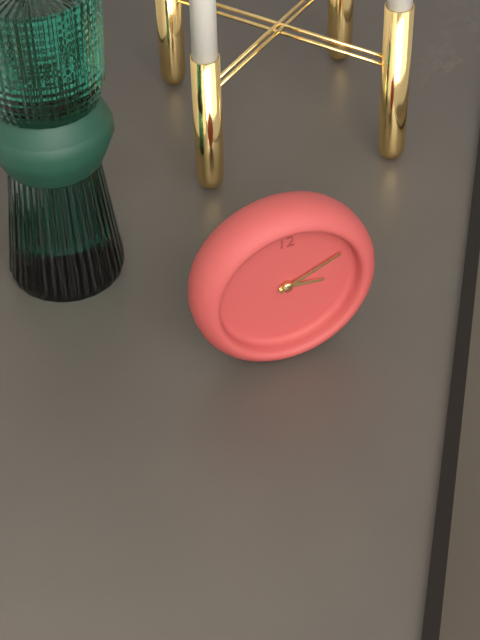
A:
3h11
